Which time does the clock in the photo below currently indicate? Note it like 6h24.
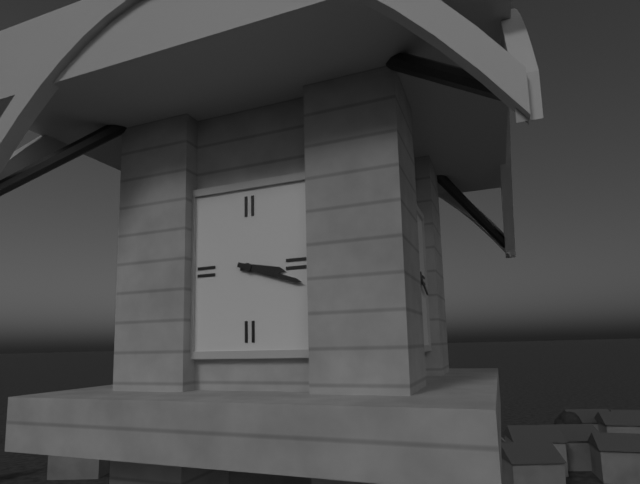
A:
3h18
